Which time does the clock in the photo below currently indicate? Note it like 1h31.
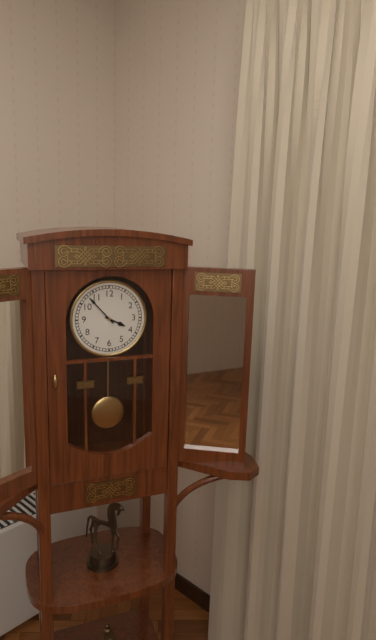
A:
3h53
